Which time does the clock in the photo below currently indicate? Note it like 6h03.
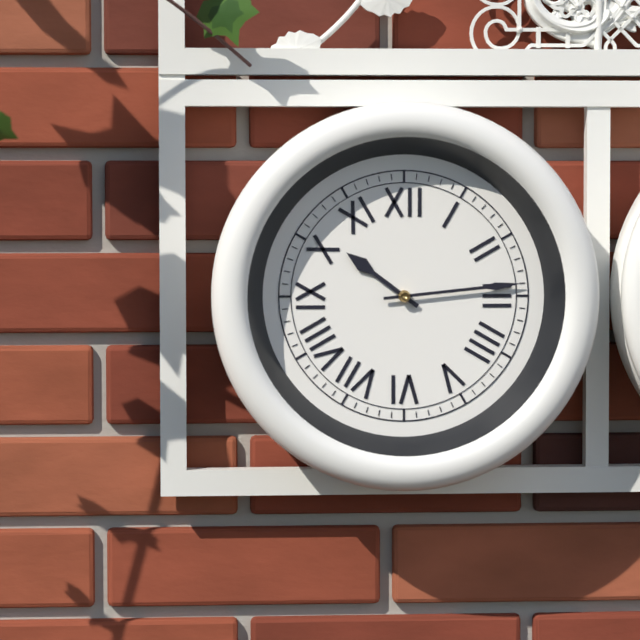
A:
10h14
